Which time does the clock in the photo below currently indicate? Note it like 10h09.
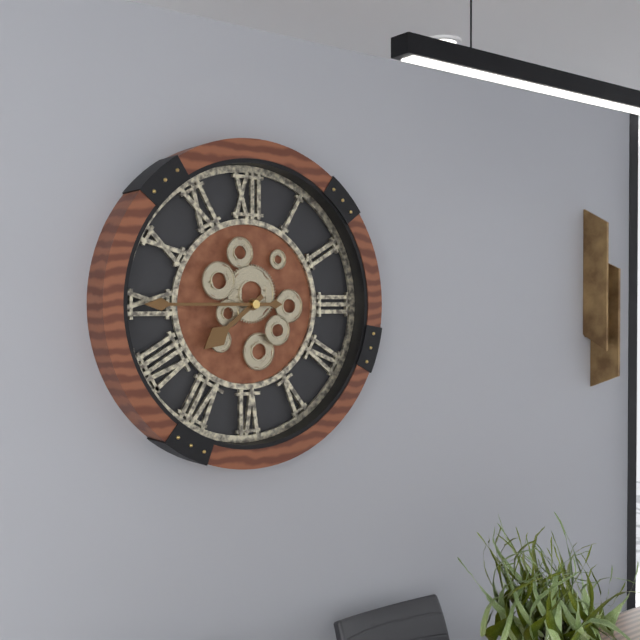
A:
7h45
